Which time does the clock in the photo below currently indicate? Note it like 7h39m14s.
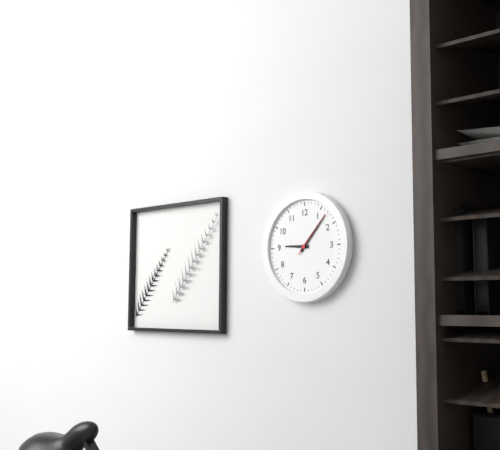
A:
9h07m07s
